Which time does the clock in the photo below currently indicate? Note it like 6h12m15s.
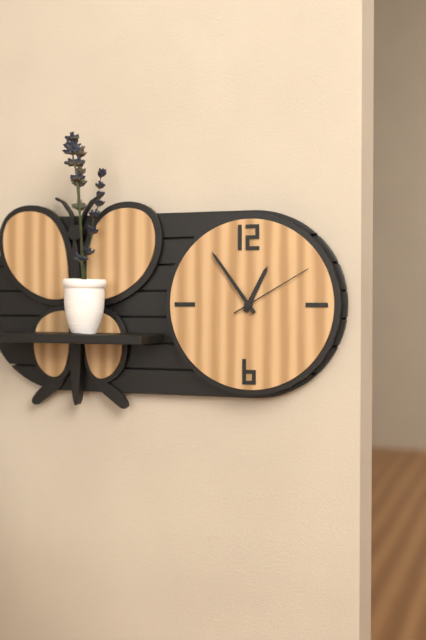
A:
12h54m10s
